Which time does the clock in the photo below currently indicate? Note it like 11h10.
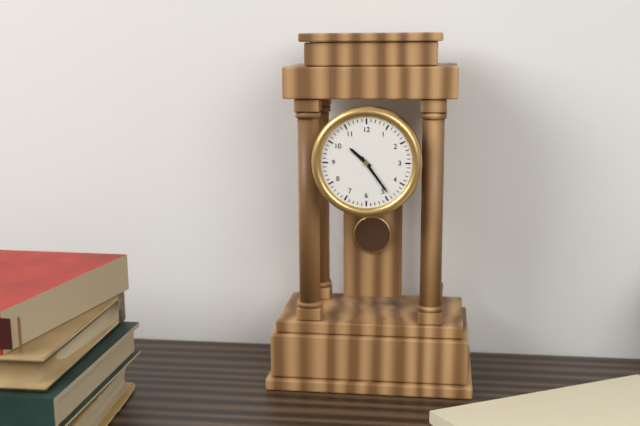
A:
10h24
